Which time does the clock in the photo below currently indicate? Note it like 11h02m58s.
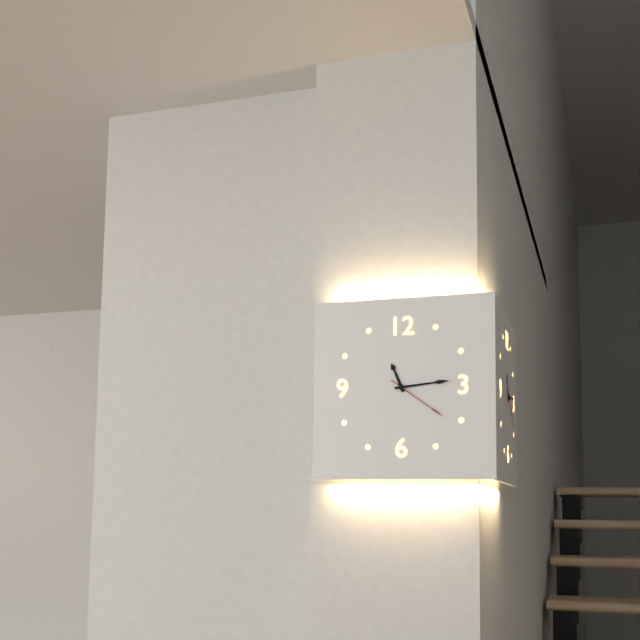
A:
11h14m21s
